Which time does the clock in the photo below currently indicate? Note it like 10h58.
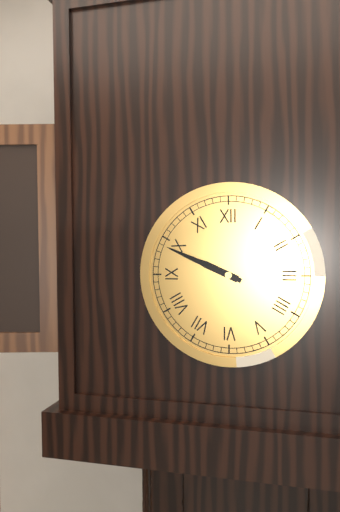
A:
9h49
